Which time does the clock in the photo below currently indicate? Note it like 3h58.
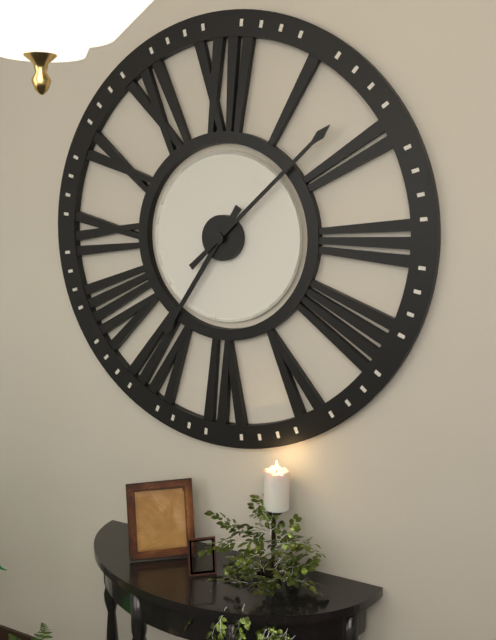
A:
7h08
